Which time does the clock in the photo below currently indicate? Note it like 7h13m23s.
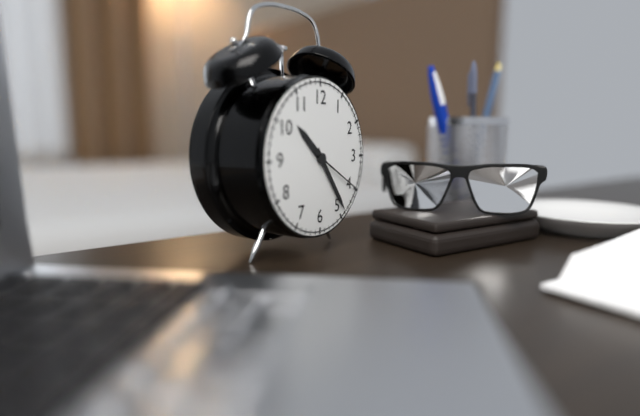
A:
10h24m20s
